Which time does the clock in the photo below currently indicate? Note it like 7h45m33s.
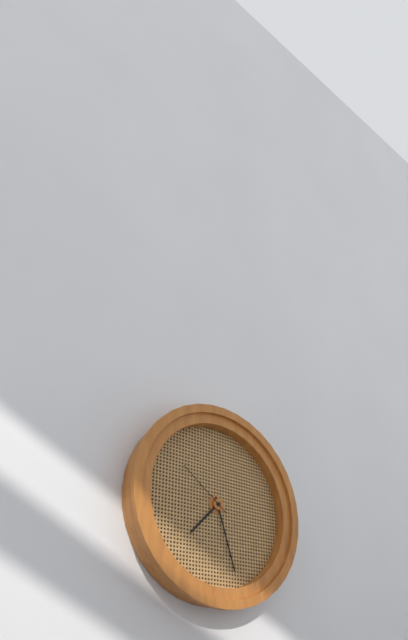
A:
7h27m51s
